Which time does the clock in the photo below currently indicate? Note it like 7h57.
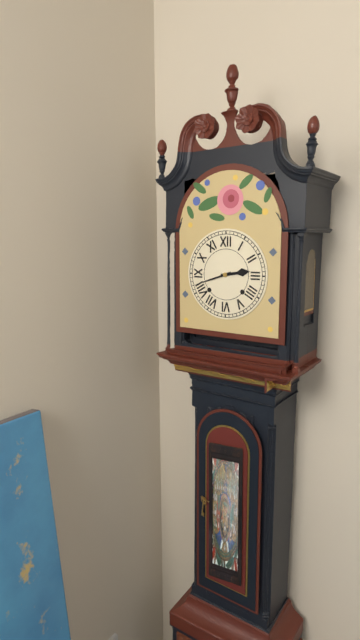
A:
2h42
